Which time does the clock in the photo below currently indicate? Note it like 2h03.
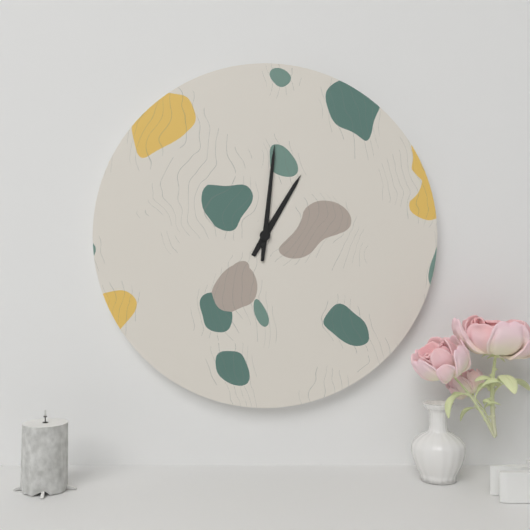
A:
1h01
